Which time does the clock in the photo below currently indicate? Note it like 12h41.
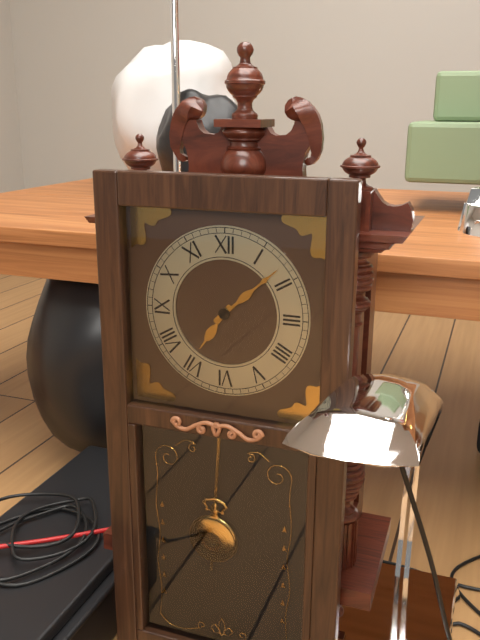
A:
7h08
